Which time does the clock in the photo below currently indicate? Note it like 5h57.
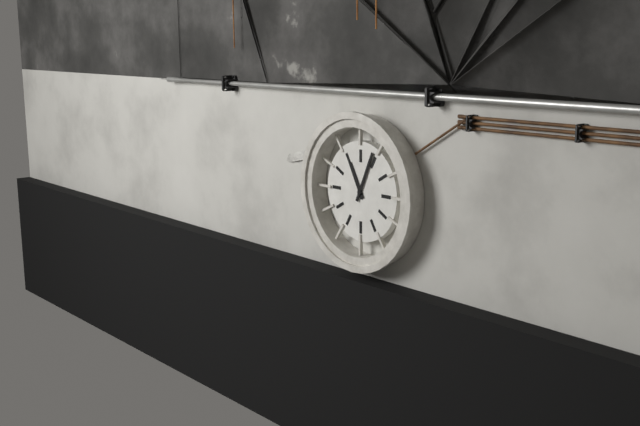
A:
11h04
